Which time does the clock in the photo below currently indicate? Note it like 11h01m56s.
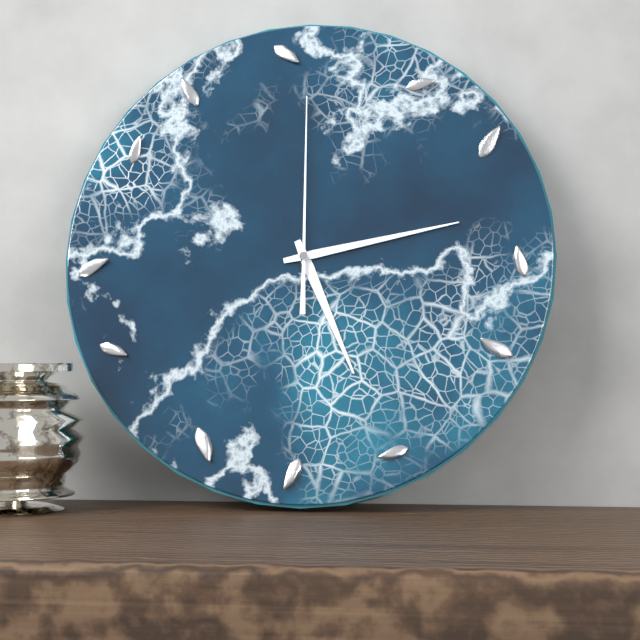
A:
5h13m00s
